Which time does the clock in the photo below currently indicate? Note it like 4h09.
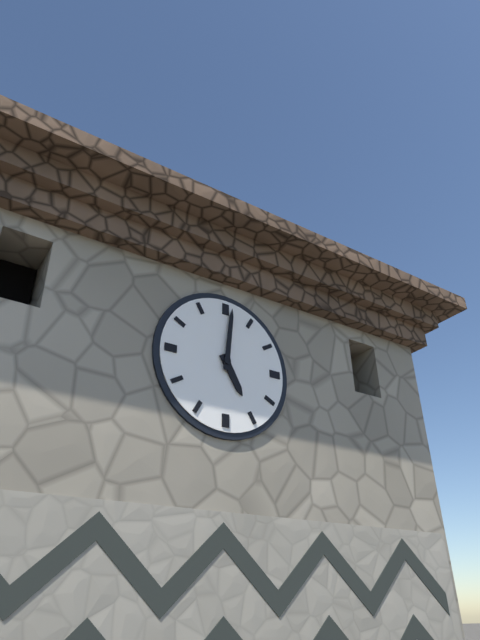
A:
5h01
